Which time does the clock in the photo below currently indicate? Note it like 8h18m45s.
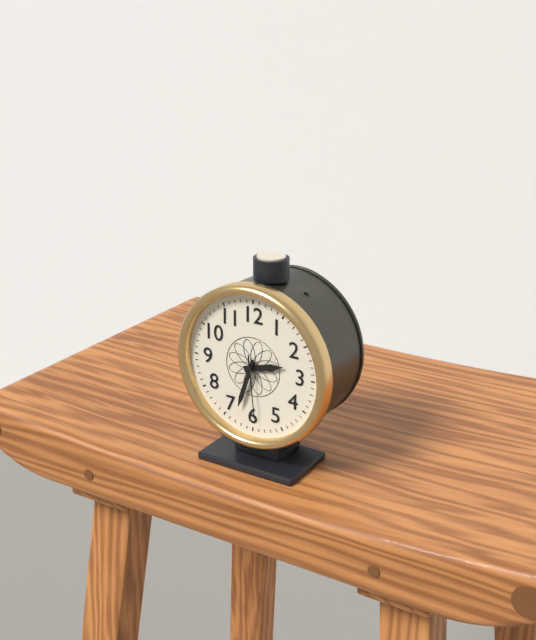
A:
2h33m29s
